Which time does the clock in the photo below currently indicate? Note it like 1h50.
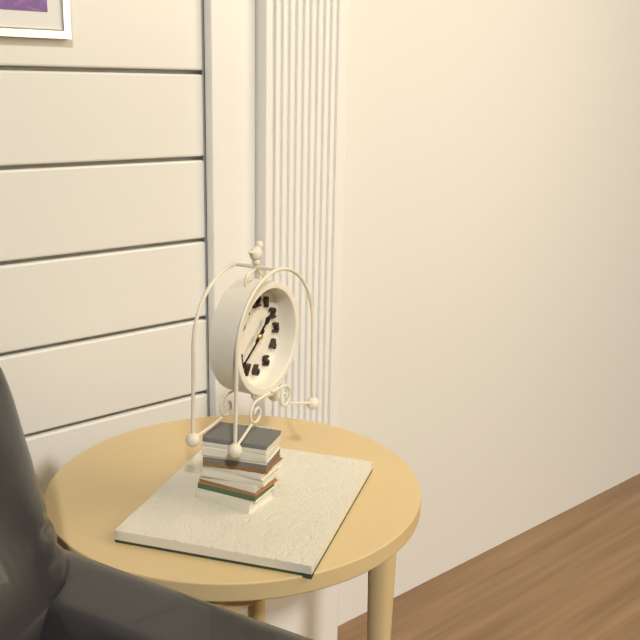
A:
1h39
